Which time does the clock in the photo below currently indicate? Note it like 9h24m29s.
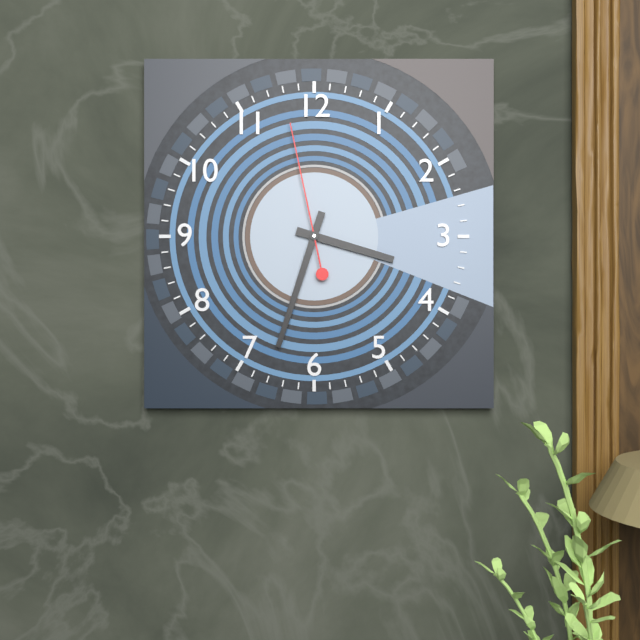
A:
3h33m58s
